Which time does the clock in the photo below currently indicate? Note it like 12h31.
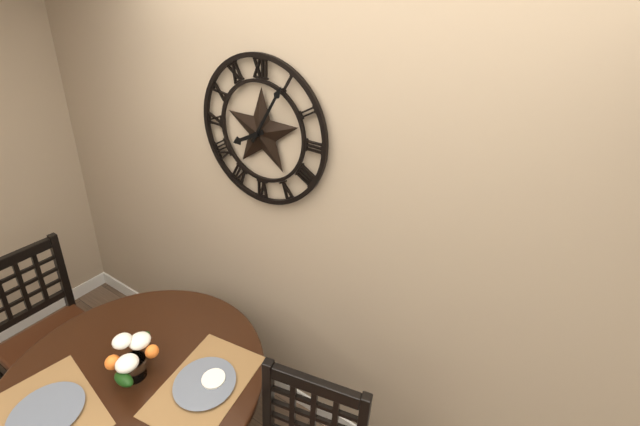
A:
8h05
